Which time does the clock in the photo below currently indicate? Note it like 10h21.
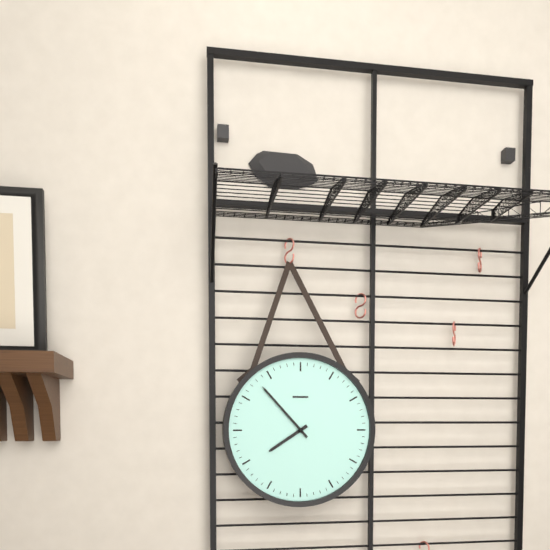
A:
7h53
